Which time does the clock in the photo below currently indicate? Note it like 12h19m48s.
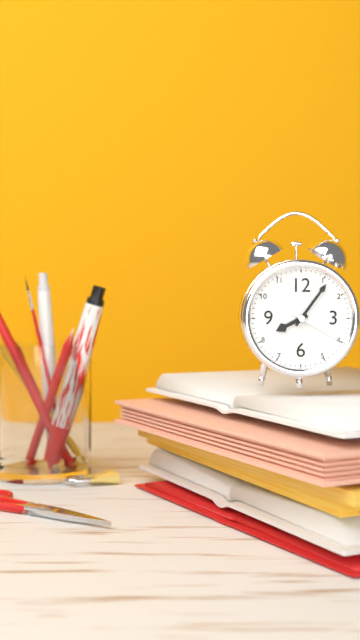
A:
8h06m20s
